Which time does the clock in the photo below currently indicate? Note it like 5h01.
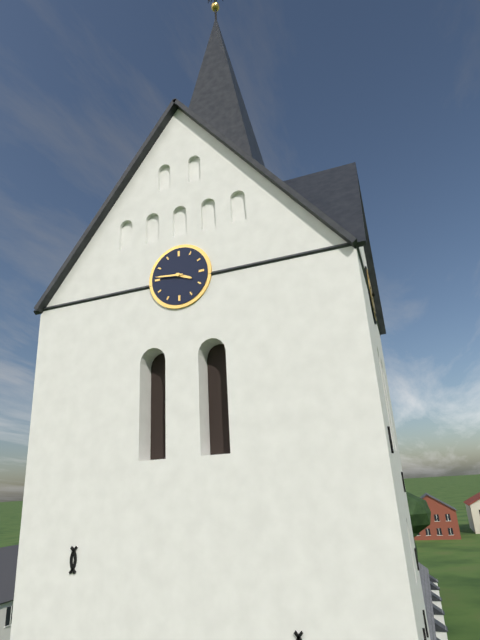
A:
3h46
